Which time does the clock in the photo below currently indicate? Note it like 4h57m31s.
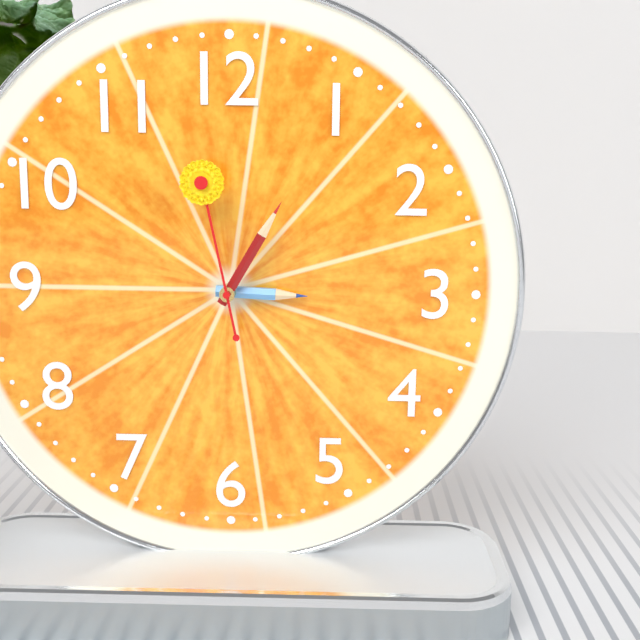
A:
3h05m58s
